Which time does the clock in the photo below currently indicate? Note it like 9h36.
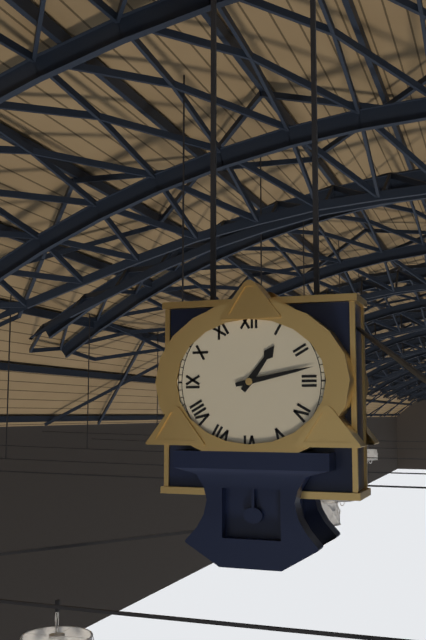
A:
1h13
